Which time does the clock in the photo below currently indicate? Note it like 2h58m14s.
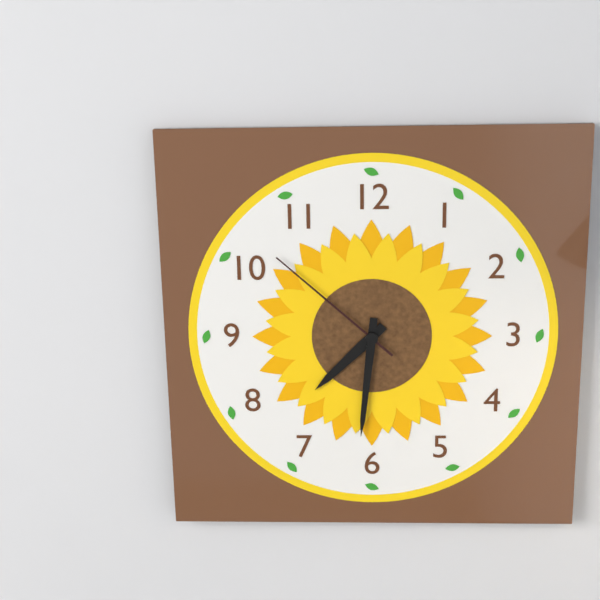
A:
7h31m52s
